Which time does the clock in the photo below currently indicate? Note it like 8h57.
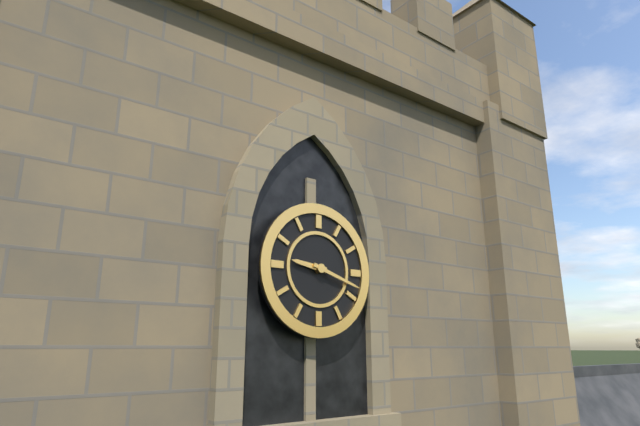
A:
9h18
